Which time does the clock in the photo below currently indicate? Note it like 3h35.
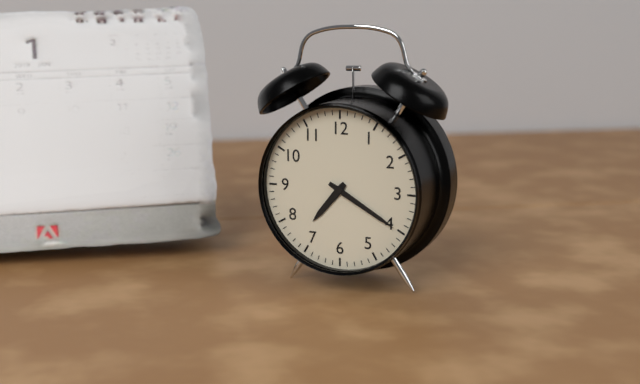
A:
7h20
